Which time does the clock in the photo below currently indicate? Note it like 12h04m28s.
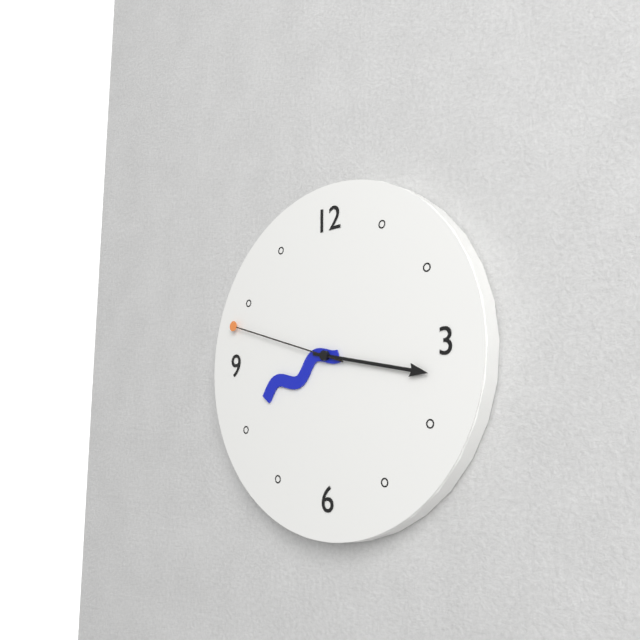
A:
8h17m48s
